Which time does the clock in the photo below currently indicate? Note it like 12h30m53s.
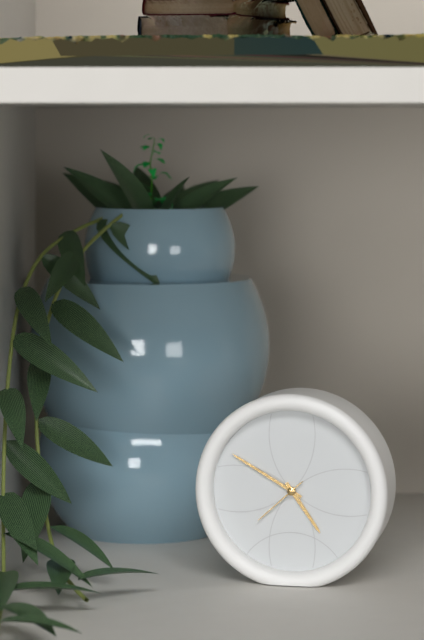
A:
4h50m38s
